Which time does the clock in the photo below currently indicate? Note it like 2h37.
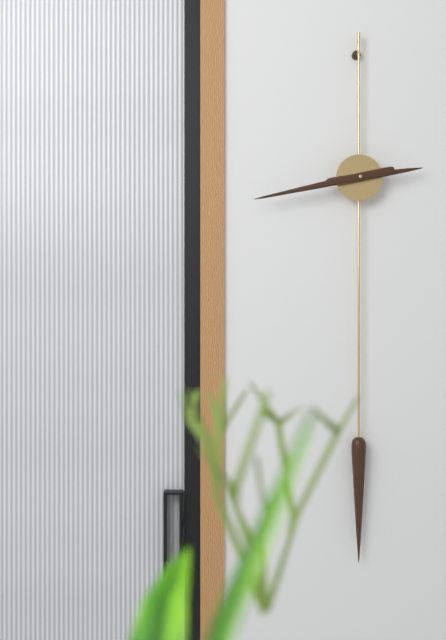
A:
2h43
